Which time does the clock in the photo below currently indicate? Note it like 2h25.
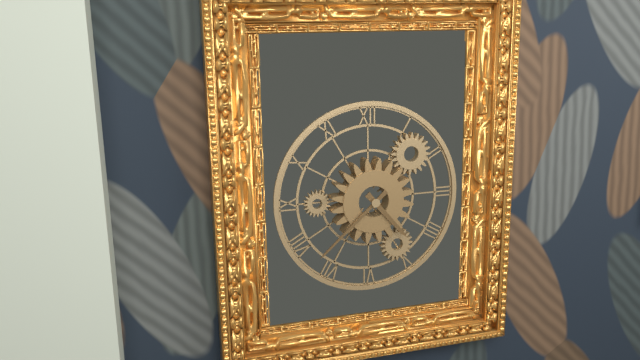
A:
4h38
